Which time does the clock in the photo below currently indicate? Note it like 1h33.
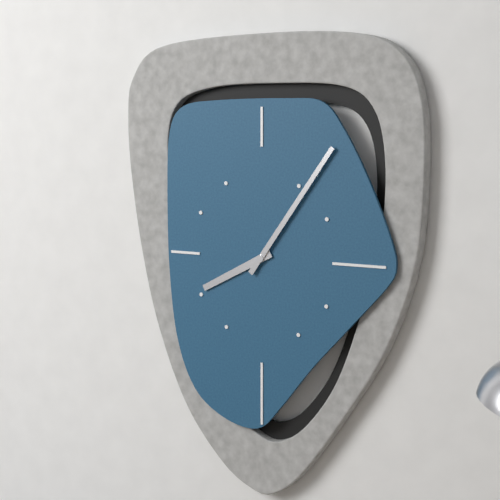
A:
8h06
